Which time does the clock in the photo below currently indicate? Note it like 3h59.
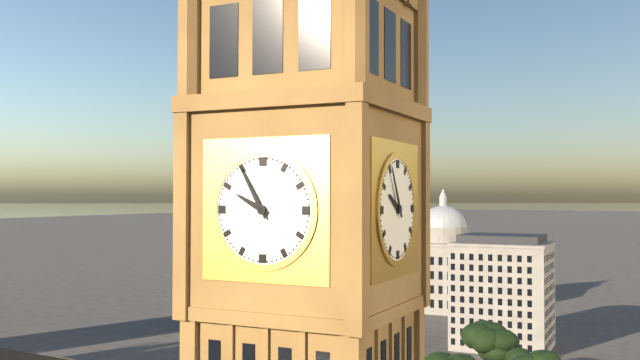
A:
9h55
